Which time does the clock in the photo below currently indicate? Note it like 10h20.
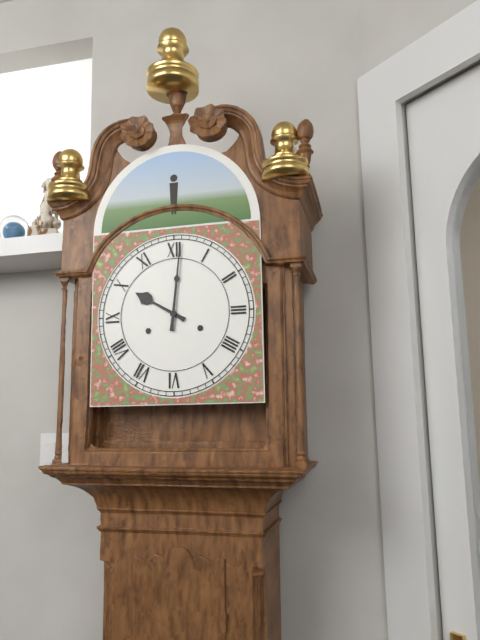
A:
10h01
